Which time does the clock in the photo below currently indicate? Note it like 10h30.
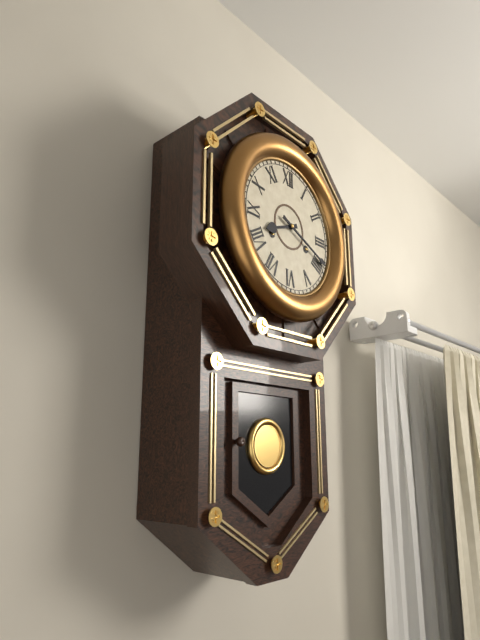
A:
8h19
